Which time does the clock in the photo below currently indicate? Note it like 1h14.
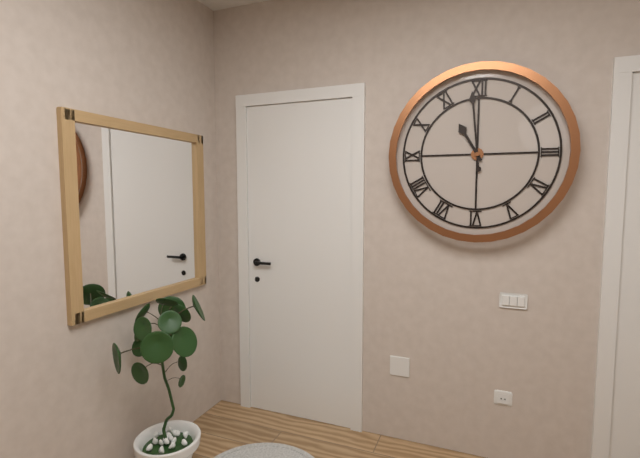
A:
10h59
